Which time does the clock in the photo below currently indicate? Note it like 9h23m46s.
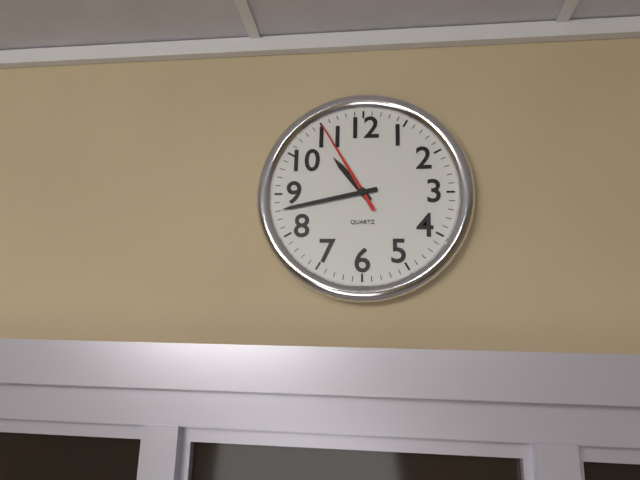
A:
10h43m55s
